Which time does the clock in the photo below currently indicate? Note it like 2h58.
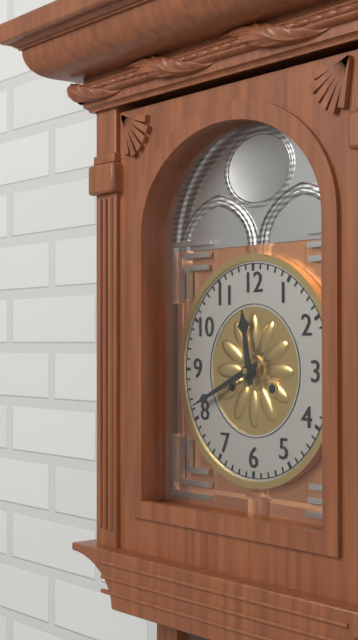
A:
11h41
